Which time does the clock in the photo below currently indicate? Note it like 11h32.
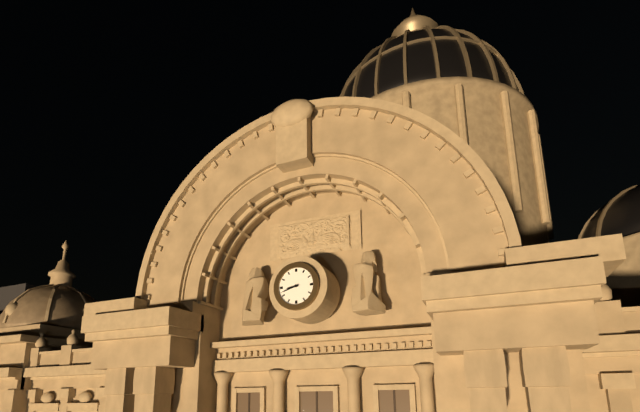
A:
8h42
